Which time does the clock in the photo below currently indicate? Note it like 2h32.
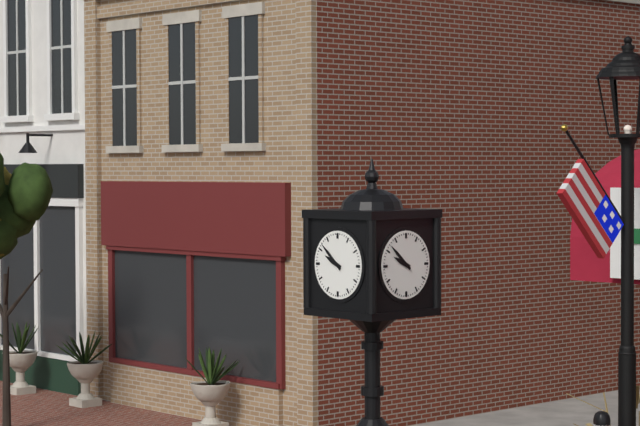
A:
9h52
